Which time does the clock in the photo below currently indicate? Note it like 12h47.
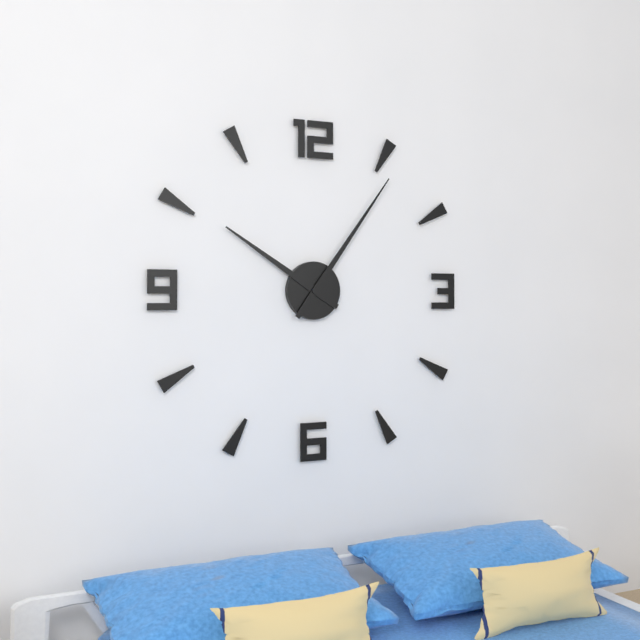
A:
10h06
